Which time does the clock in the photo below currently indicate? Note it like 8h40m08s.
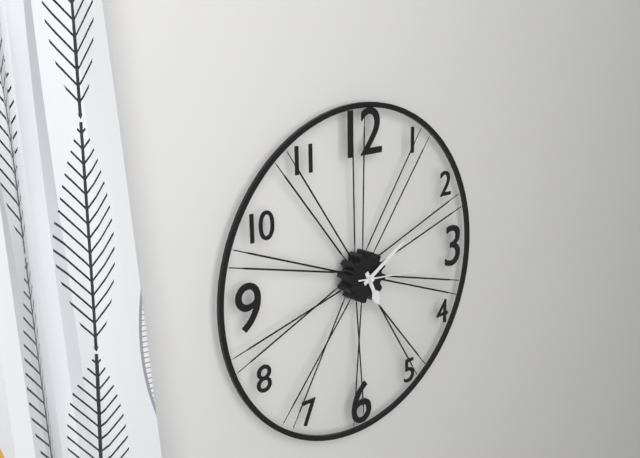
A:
5h10m16s
